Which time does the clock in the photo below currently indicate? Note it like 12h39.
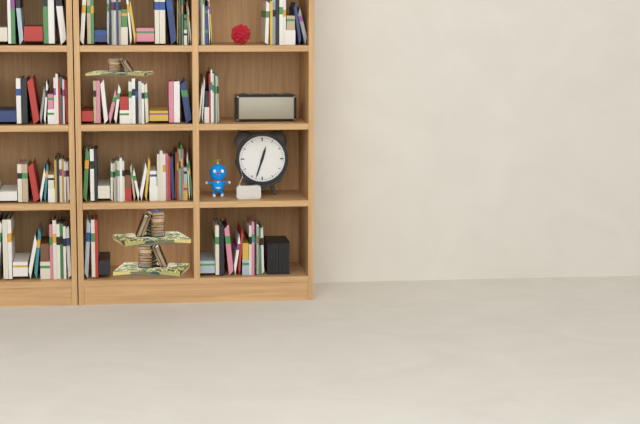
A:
12h33
